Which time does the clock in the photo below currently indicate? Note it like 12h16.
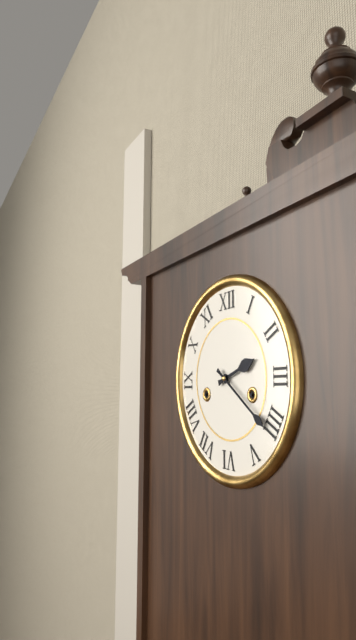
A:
2h21
